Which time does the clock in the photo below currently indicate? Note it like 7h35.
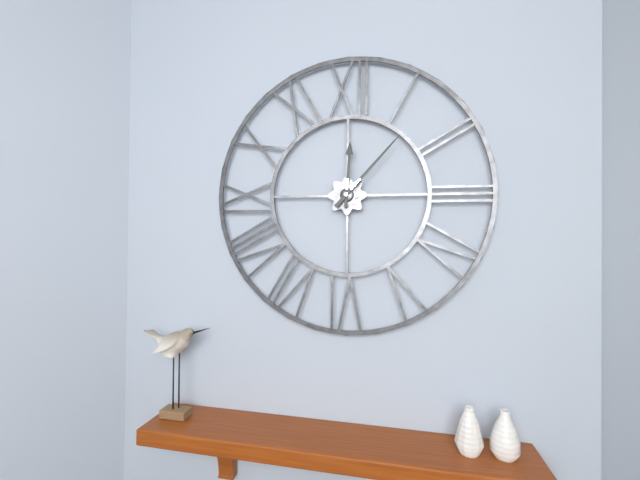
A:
12h07
